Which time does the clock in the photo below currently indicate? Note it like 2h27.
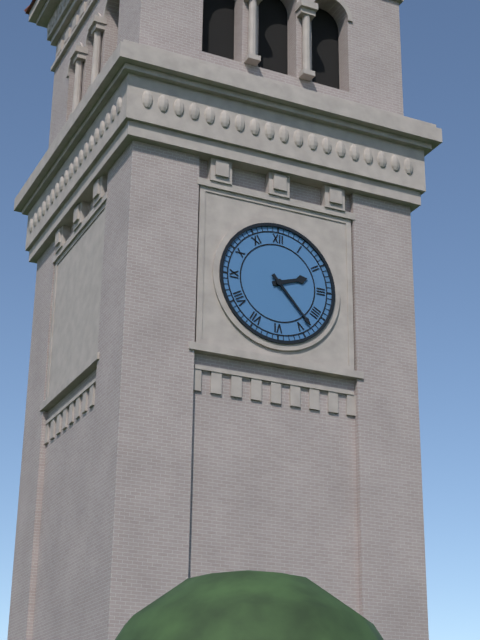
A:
2h23
